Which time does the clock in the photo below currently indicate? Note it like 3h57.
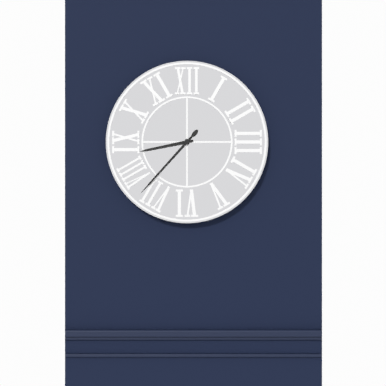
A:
8h37
